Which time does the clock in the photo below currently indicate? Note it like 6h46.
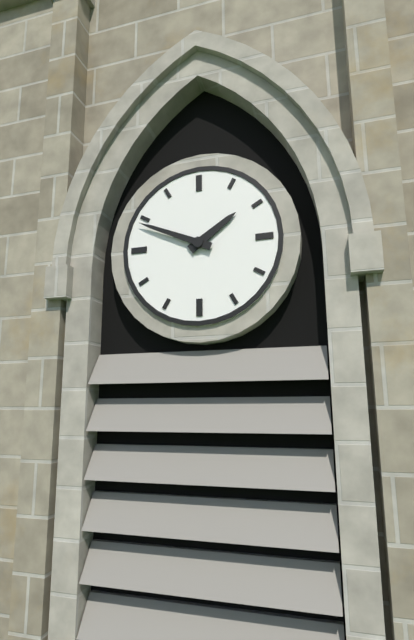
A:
1h49
